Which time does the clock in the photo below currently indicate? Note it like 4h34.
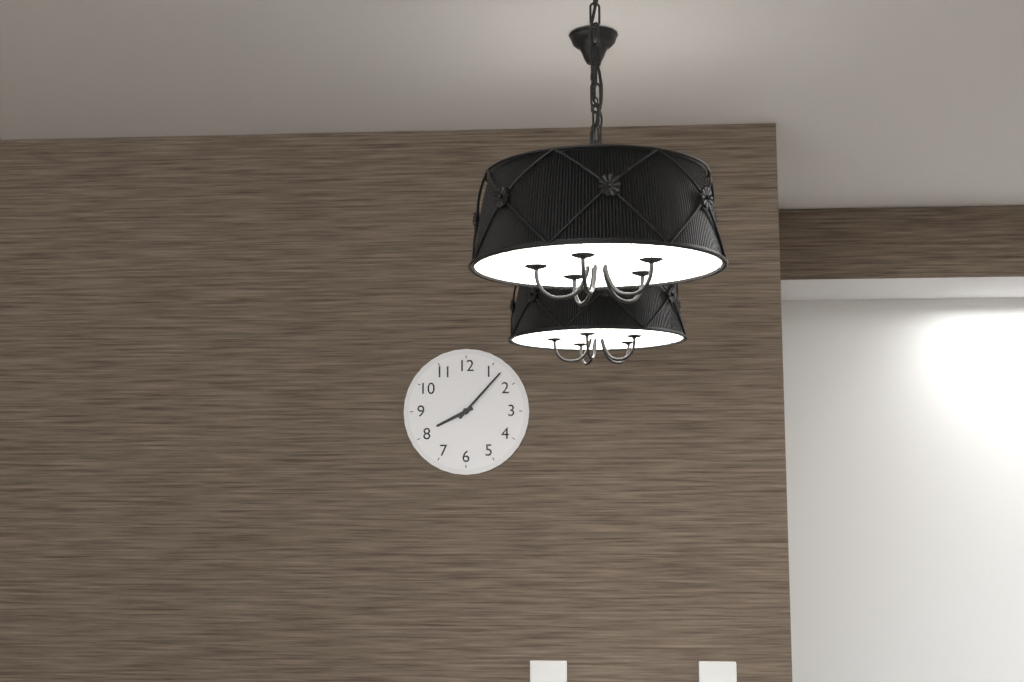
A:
8h07
